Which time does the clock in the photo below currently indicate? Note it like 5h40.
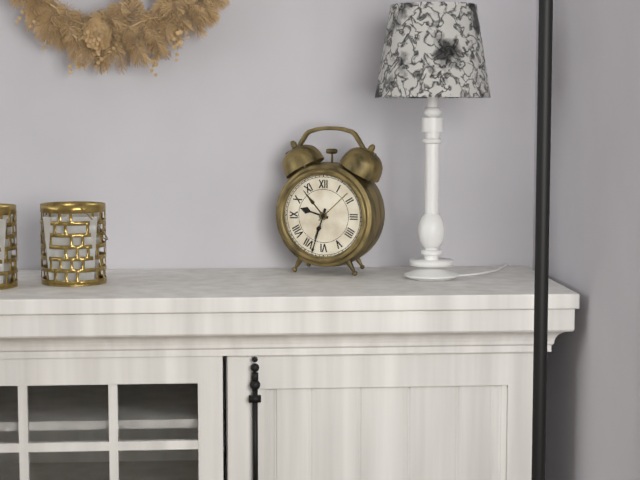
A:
9h33
